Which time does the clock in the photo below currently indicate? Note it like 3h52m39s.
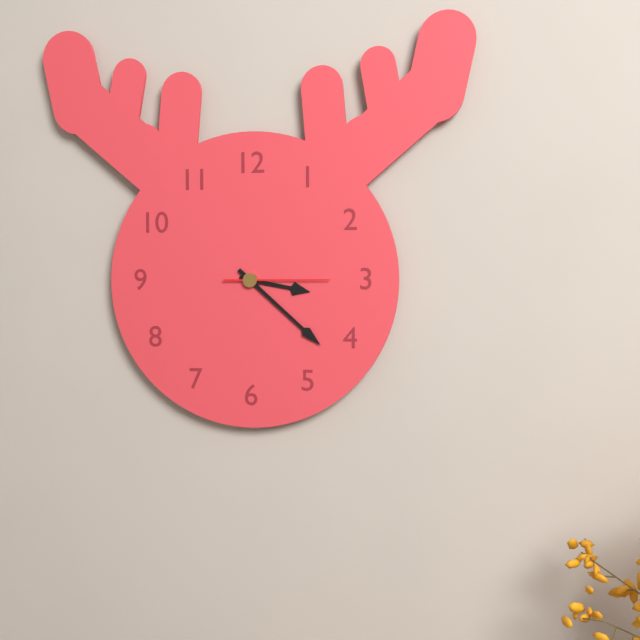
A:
3h22m15s
